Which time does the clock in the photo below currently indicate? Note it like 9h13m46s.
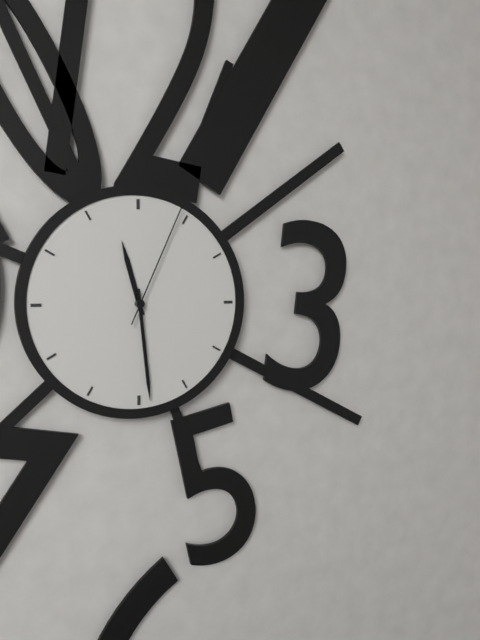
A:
11h29m04s
